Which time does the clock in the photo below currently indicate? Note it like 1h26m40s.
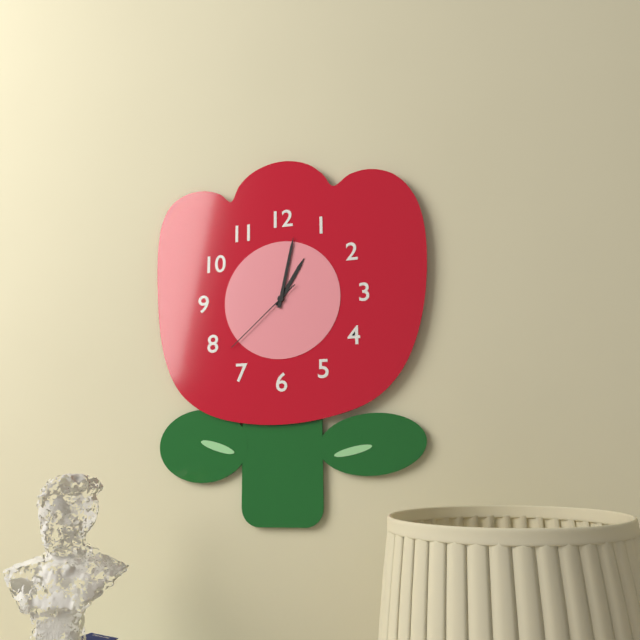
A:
1h02m38s
